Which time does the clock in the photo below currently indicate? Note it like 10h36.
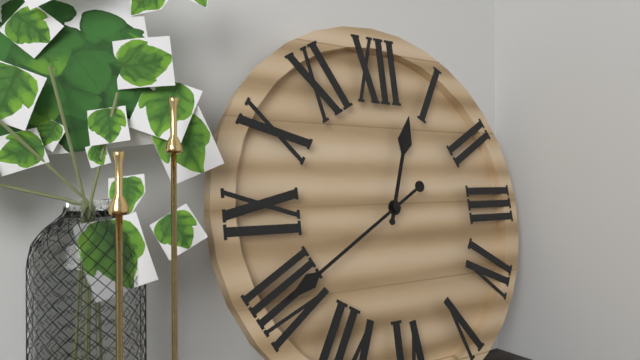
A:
12h40
